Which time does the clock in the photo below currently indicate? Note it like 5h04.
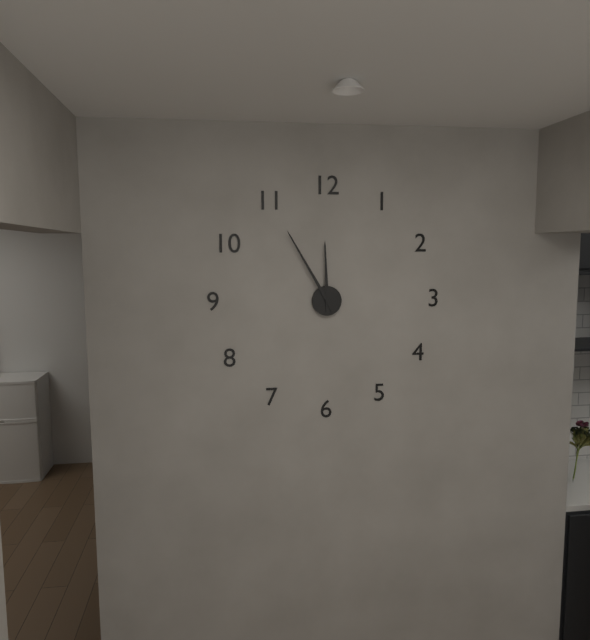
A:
11h55
